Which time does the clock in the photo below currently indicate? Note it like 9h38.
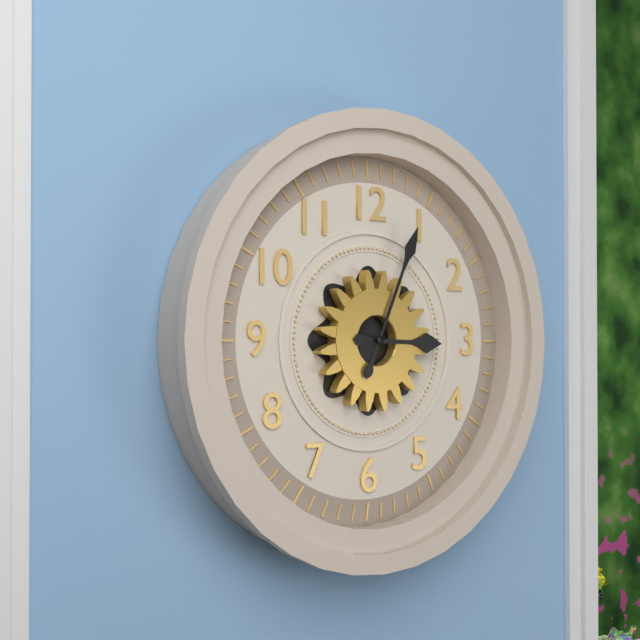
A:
3h04
